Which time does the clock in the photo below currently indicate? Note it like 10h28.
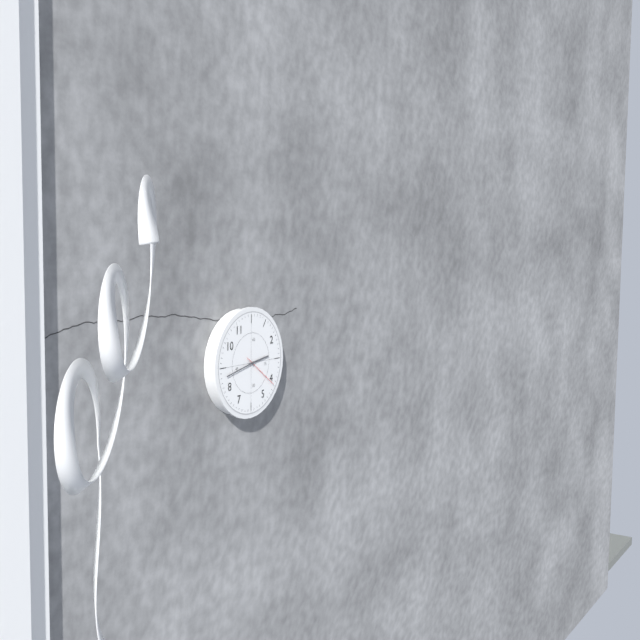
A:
2h43
